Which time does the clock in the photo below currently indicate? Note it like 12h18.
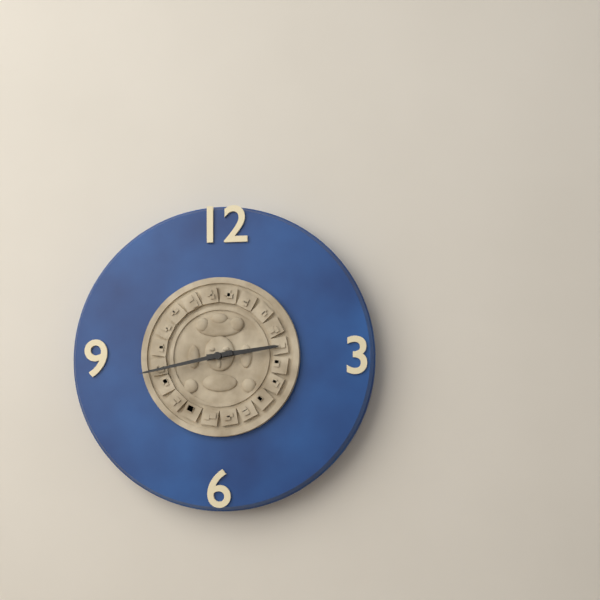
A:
2h43
